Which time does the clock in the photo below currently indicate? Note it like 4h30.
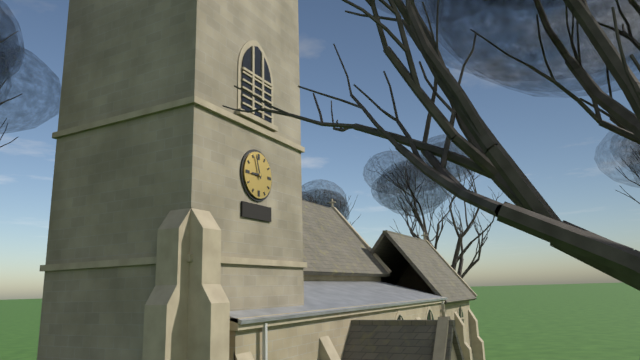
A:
8h57
